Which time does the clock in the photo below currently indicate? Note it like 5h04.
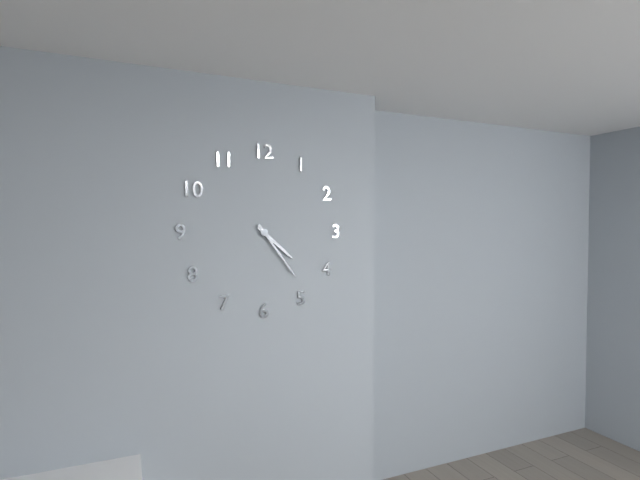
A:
4h24
